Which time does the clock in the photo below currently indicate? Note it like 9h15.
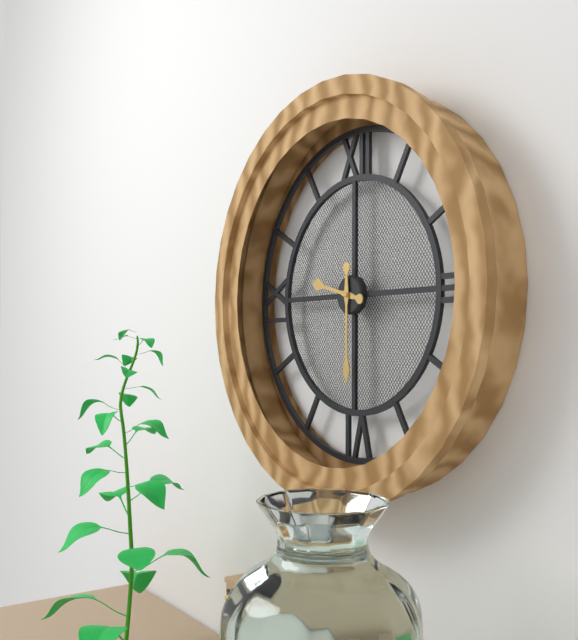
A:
9h30
